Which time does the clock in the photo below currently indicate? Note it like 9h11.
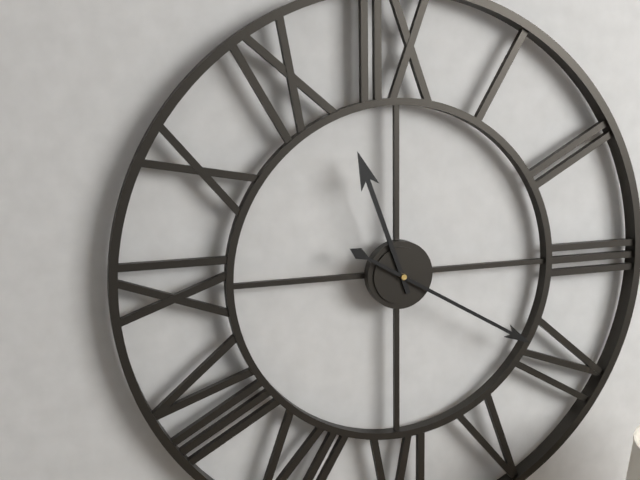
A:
11h20
